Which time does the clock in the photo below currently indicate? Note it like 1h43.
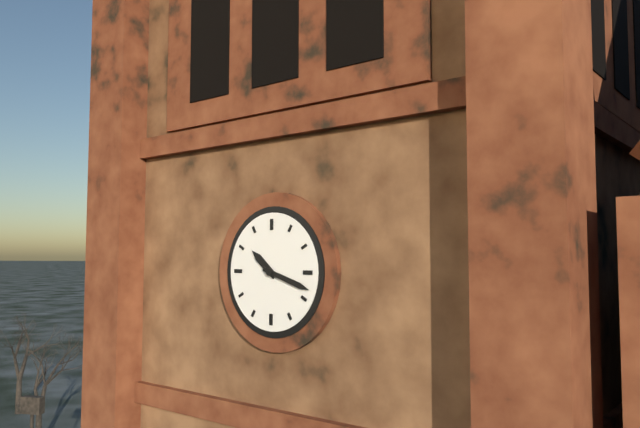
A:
10h18
